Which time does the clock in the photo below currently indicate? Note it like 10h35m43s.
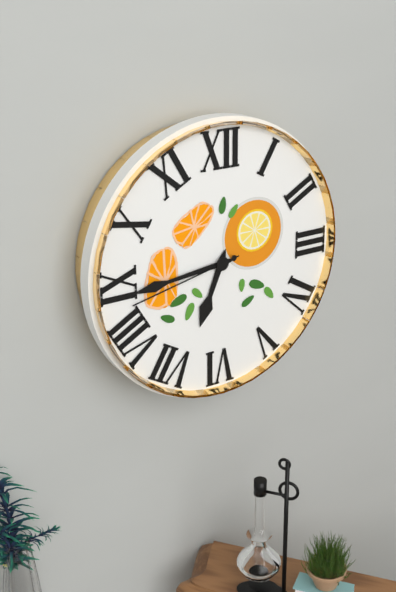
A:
6h44m43s
